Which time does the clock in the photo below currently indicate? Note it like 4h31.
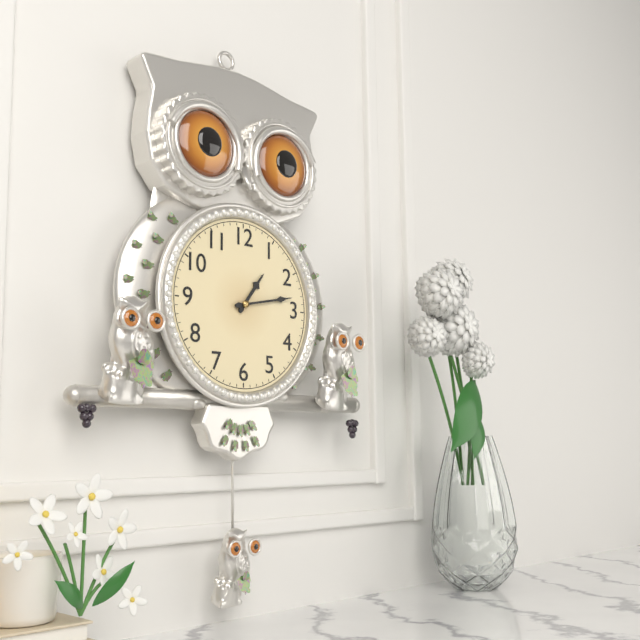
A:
1h13
